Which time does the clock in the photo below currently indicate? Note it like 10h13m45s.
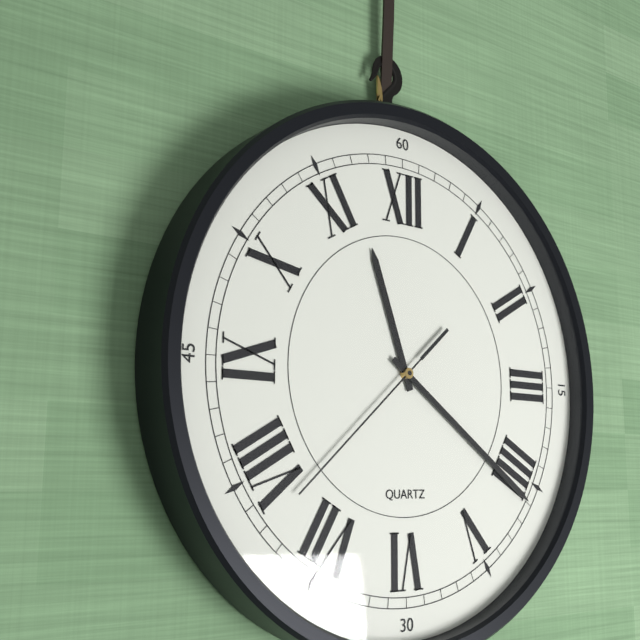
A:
11h21m38s
